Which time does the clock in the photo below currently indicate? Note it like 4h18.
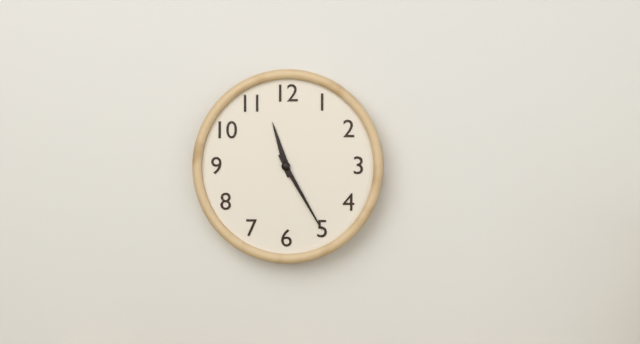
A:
11h25
